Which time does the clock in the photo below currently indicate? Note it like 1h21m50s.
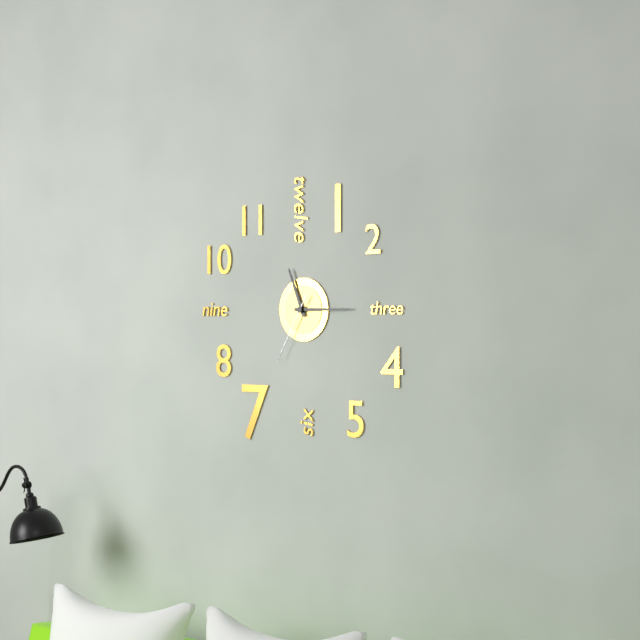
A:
11h15m35s
